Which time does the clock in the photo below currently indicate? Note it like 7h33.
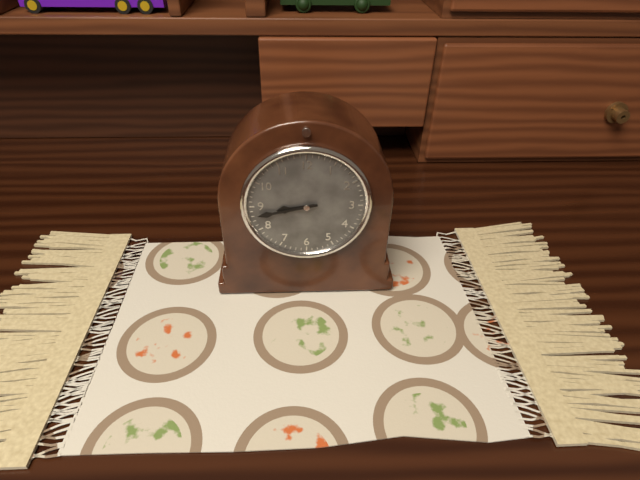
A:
8h43
